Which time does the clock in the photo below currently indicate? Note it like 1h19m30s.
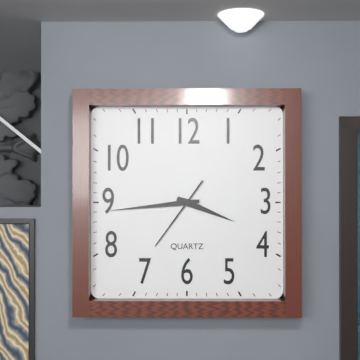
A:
3h44m36s
